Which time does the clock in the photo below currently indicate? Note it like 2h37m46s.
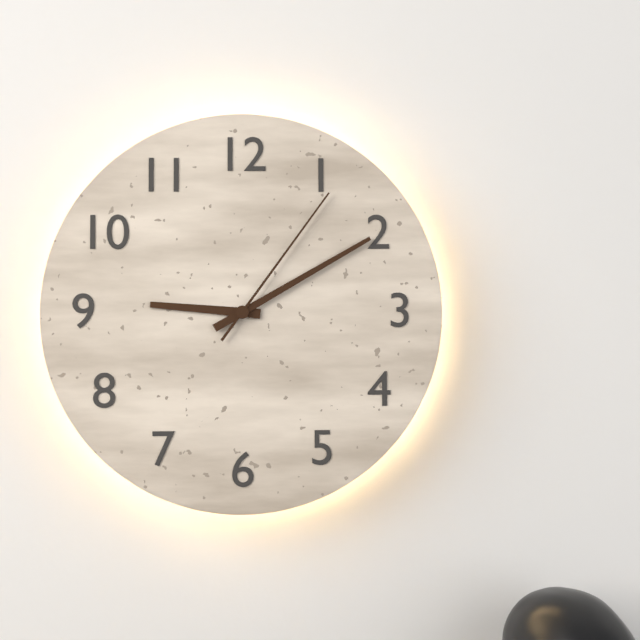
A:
9h10m06s
